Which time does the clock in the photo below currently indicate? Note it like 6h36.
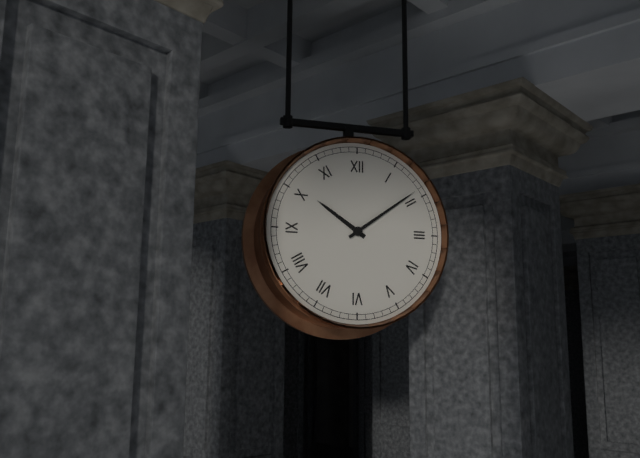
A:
10h09
